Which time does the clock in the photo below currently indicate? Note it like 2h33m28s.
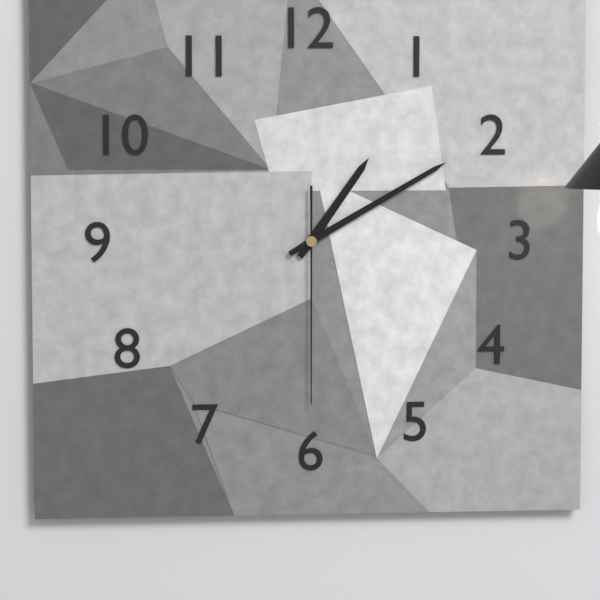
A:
1h10m30s
